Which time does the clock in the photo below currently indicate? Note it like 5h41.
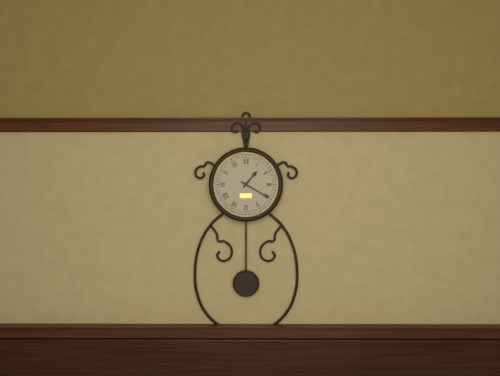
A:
1h20
